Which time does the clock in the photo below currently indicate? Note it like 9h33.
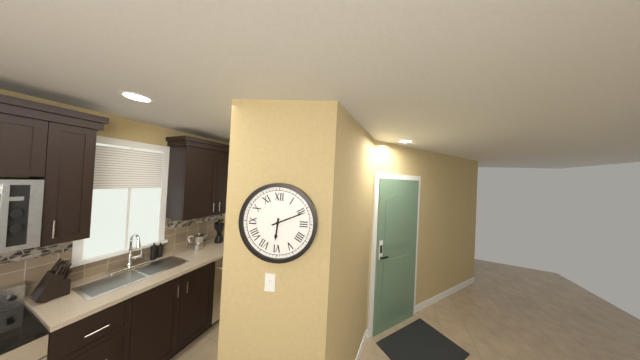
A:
6h11
